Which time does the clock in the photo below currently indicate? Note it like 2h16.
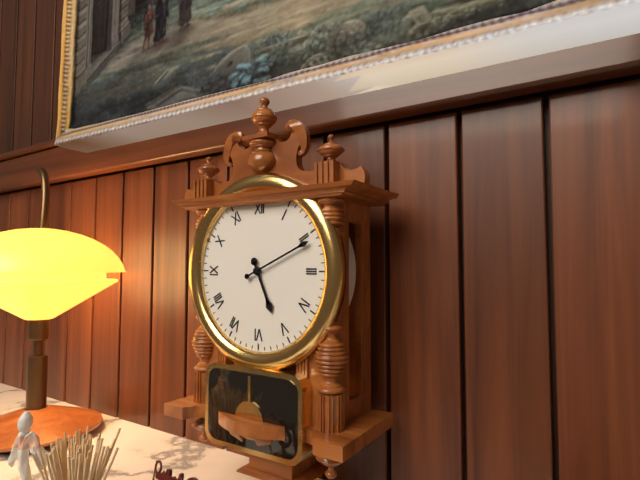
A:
5h11
